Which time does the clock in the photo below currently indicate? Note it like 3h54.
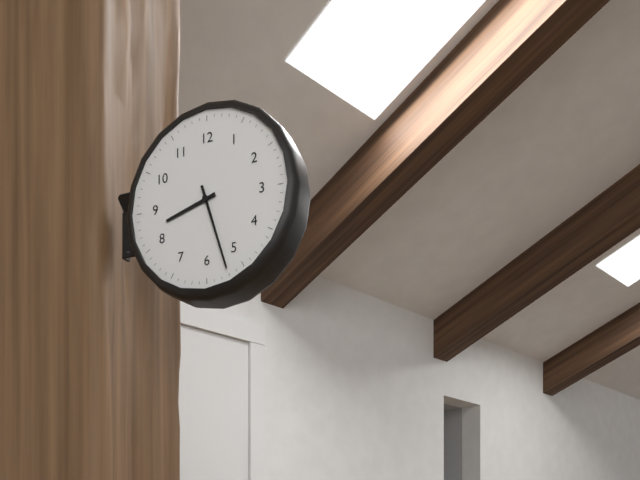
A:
8h27
